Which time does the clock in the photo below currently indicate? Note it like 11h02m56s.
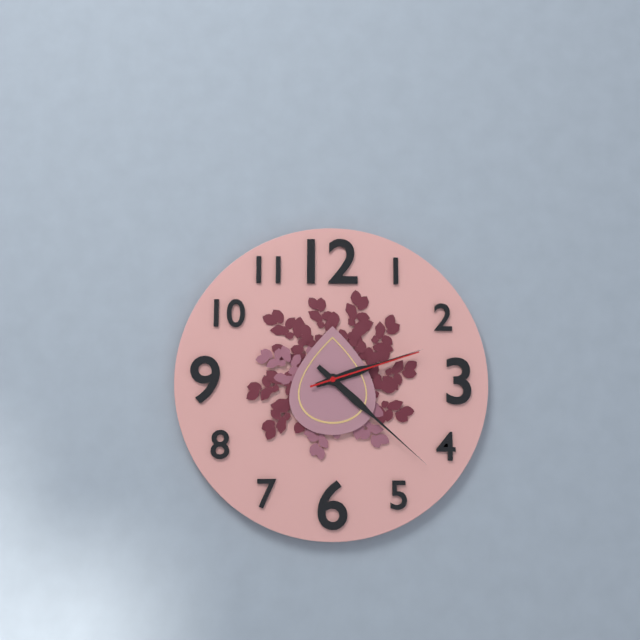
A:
2h22m12s
